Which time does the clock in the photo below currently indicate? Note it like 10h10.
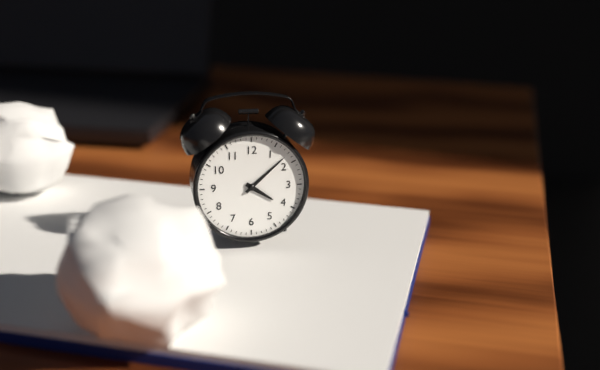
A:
4h08
